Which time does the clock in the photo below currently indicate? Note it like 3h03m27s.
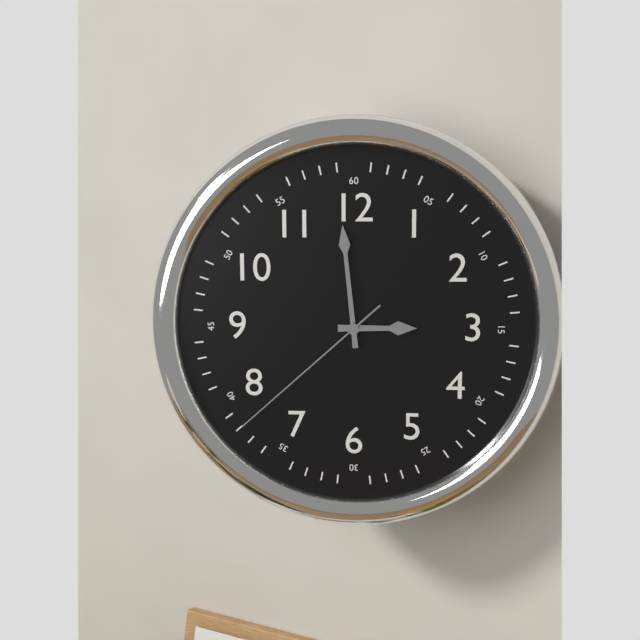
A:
2h59m38s
